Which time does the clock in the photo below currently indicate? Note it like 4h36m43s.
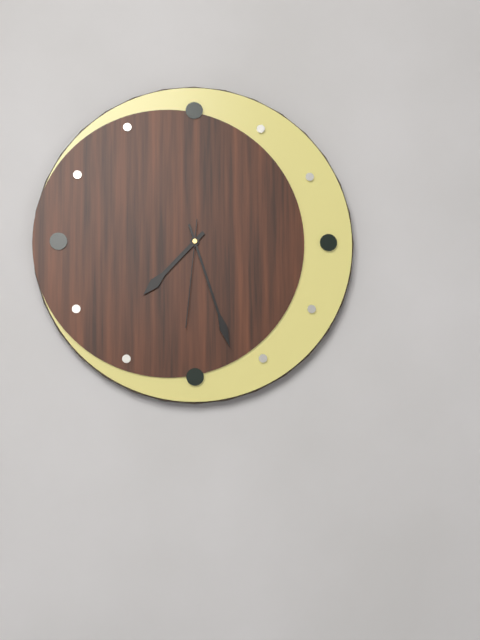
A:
7h27m31s
